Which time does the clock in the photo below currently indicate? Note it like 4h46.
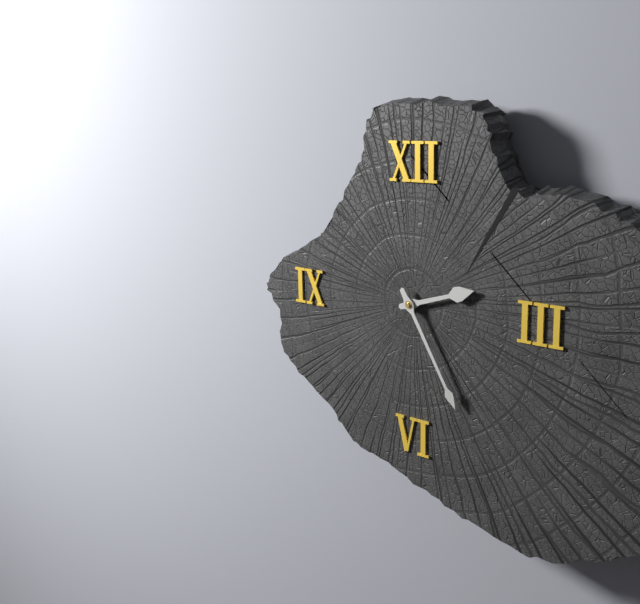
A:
2h25
